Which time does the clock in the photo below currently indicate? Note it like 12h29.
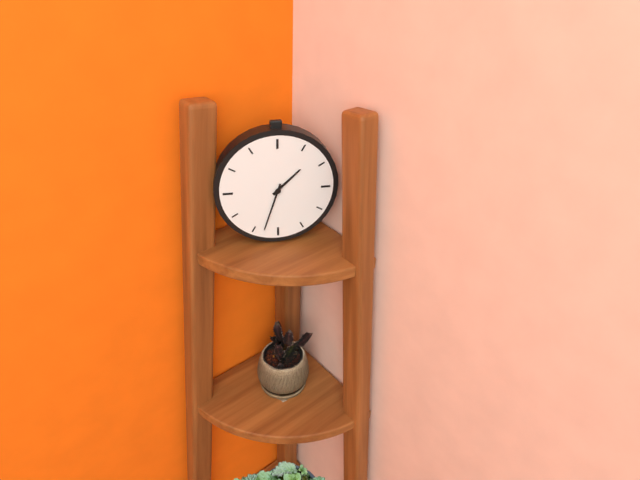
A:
1h33
